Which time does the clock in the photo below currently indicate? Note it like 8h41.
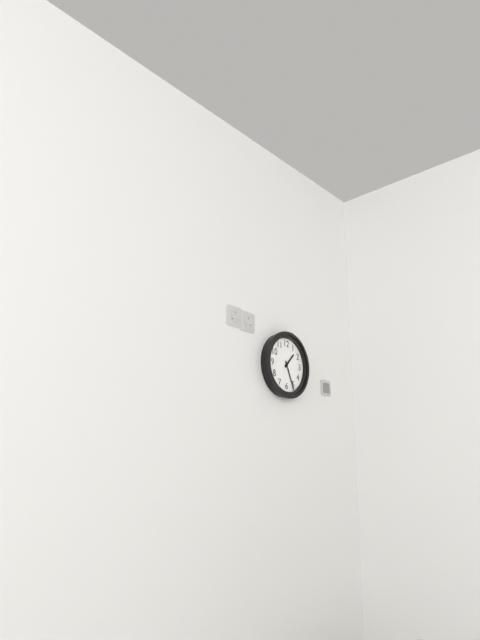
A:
1h26
